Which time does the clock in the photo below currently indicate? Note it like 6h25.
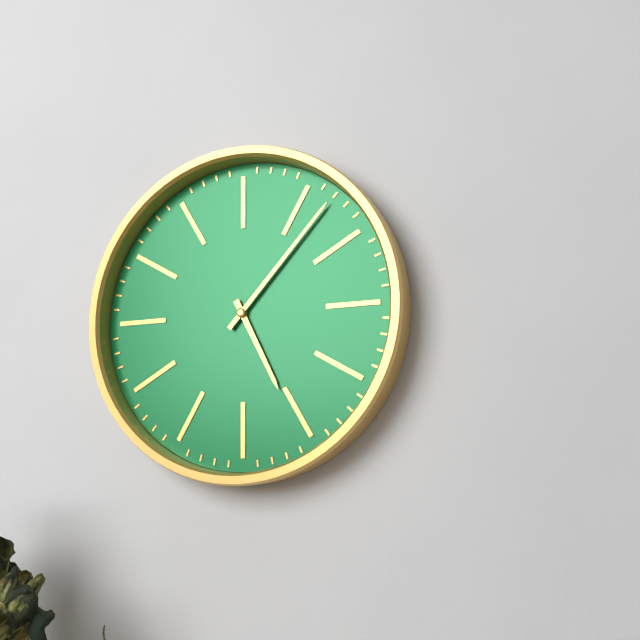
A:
5h07
